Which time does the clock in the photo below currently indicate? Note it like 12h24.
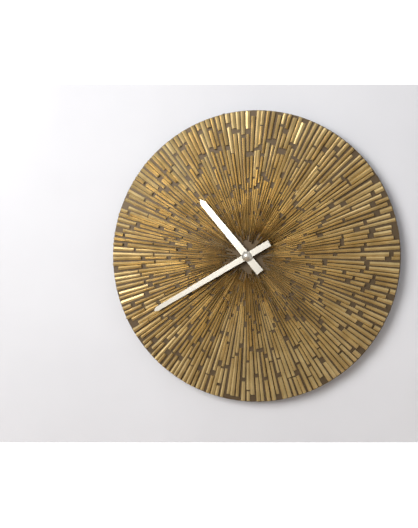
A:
10h40
